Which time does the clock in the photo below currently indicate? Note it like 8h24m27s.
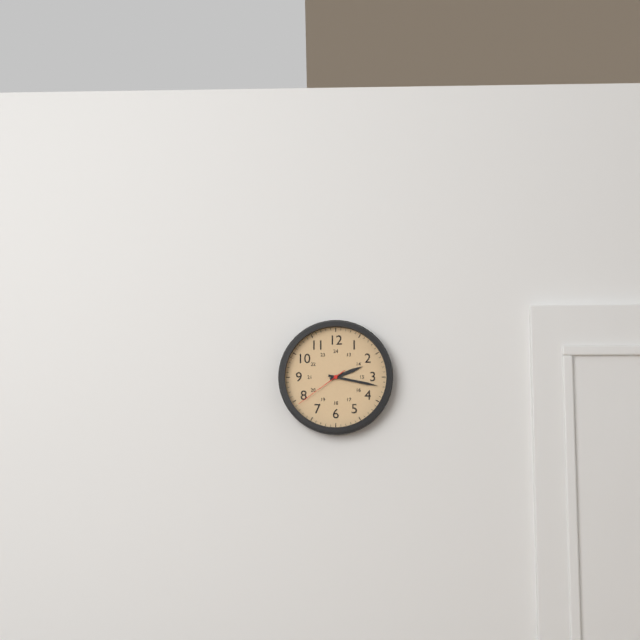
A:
2h17m39s
